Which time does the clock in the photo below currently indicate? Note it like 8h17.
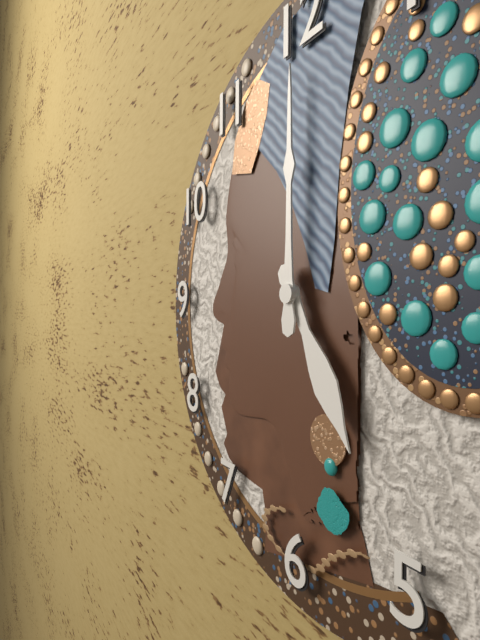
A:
5h00
